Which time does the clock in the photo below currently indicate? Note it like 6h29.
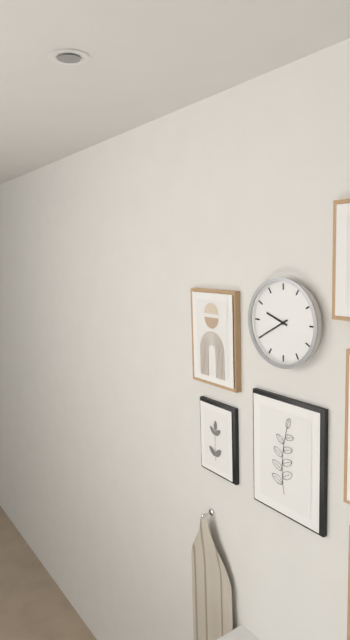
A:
9h40
